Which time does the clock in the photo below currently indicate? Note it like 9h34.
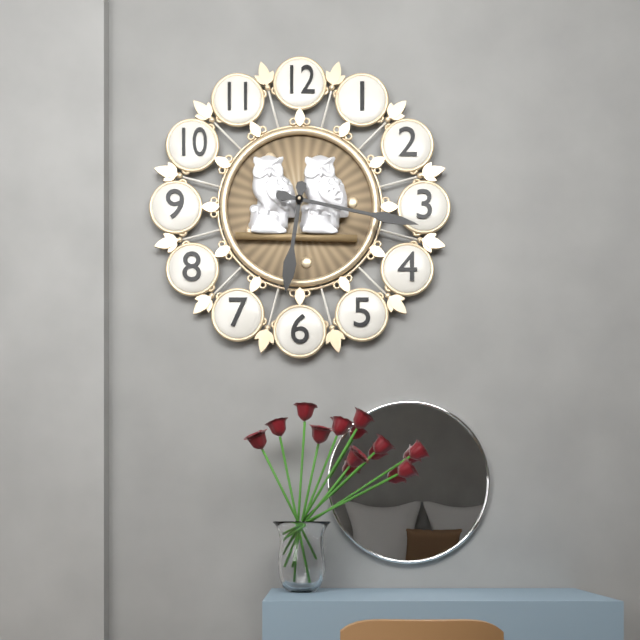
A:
6h17
